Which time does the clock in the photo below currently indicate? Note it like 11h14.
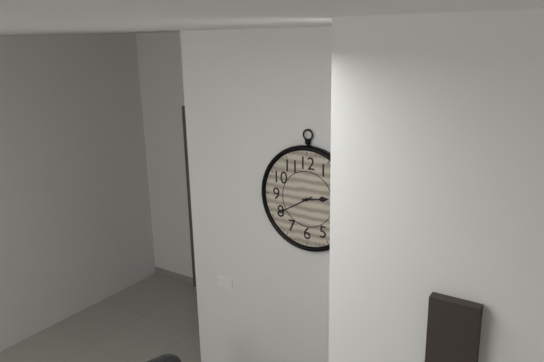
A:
2h40
